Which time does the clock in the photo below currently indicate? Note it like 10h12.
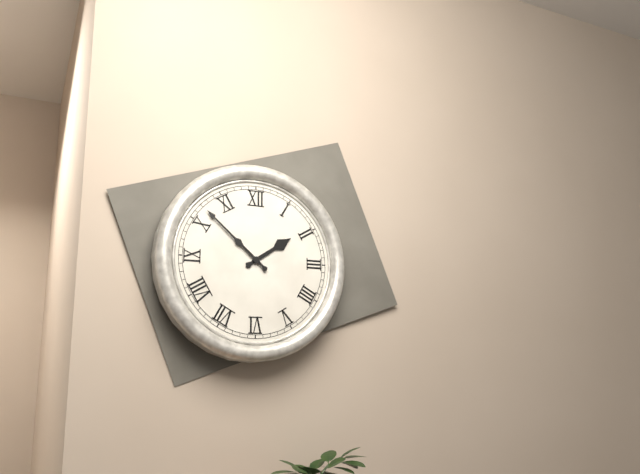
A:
1h52
